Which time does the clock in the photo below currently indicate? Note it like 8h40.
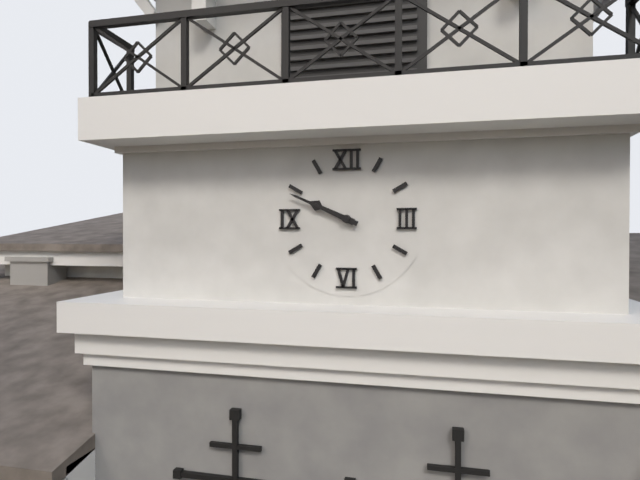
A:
9h49
